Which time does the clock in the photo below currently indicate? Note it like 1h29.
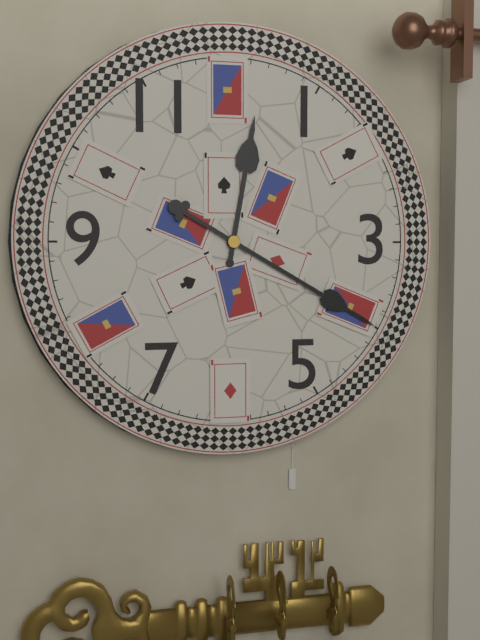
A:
12h20
